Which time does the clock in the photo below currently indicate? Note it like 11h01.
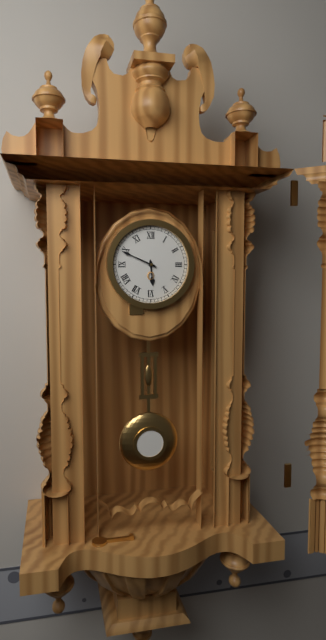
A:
5h49
